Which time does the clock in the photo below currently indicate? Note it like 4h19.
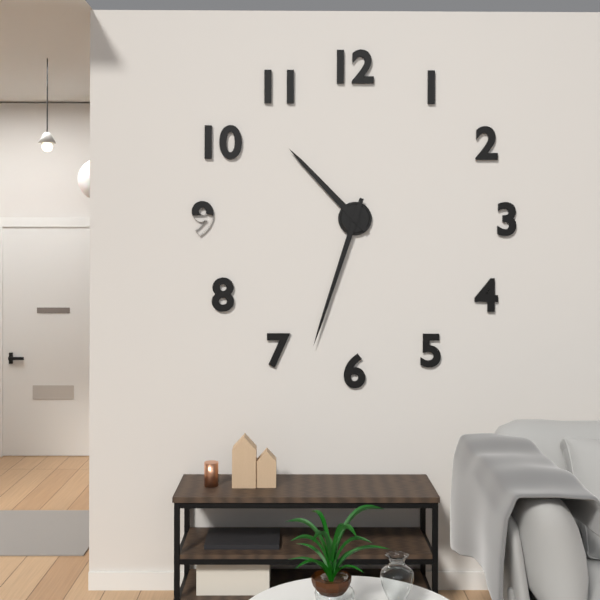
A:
10h33
